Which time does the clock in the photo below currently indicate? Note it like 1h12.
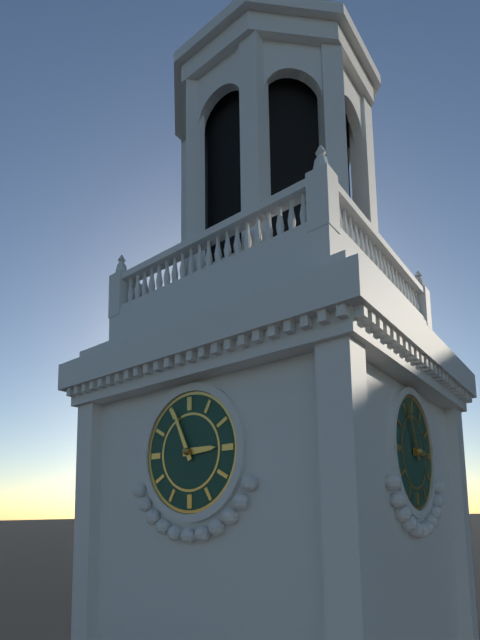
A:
2h56
